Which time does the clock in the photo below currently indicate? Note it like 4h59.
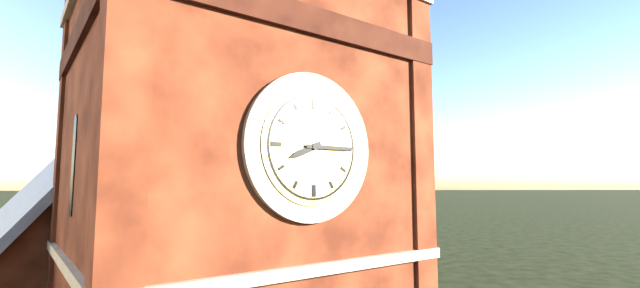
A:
8h15
